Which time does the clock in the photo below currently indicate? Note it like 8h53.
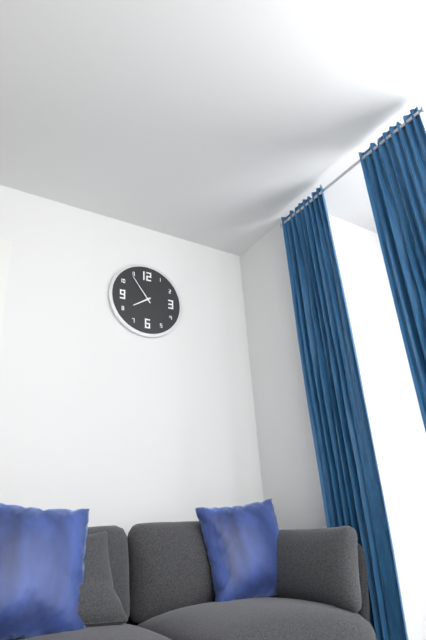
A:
7h54
